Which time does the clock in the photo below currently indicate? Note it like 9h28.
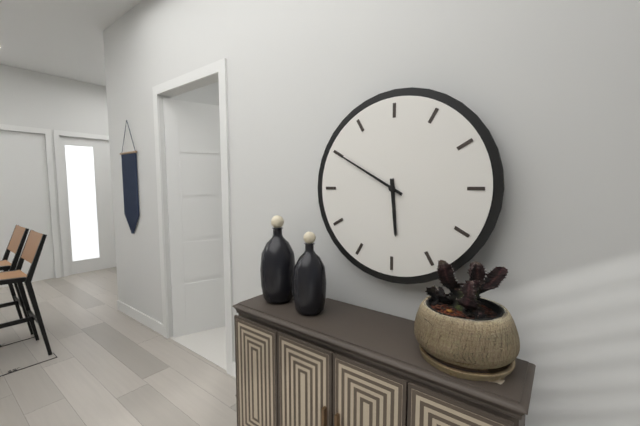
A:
5h50
